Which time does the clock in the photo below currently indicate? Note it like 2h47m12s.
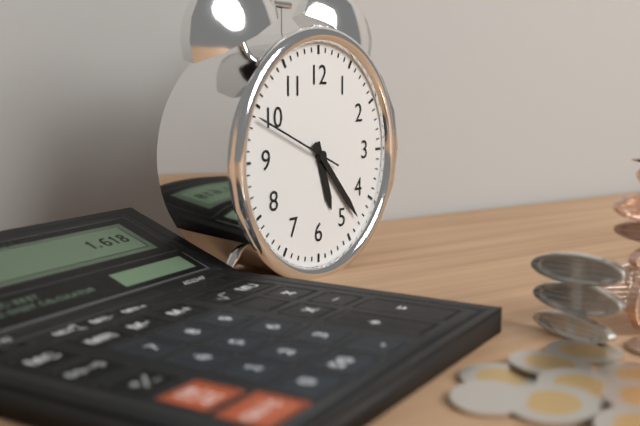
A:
5h23m49s
